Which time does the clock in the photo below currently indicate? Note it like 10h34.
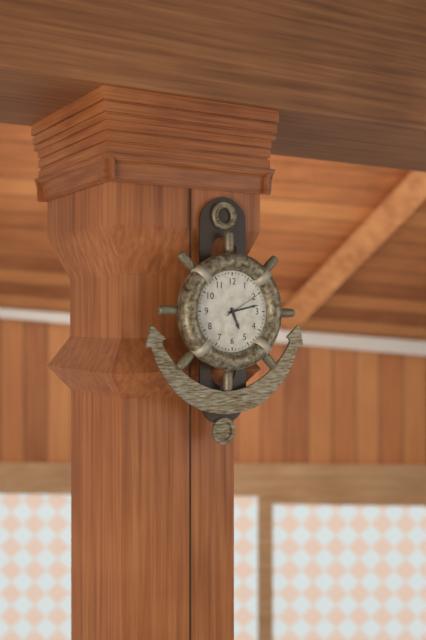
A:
5h13
